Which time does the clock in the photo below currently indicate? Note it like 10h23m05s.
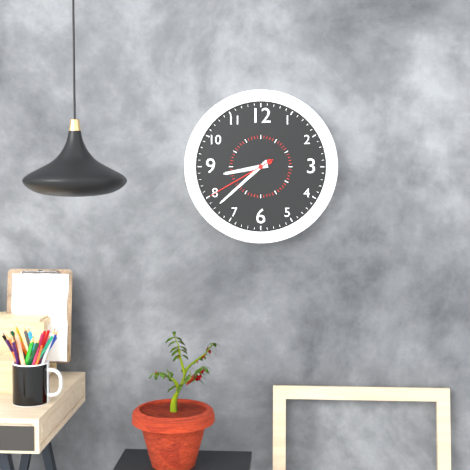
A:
8h38m40s
